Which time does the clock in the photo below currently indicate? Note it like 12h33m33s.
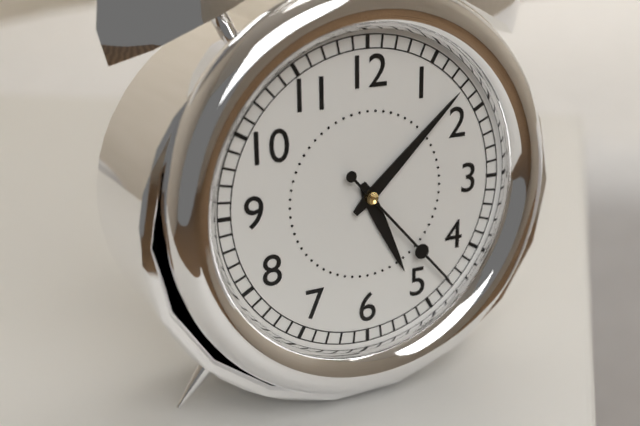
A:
5h08m23s
